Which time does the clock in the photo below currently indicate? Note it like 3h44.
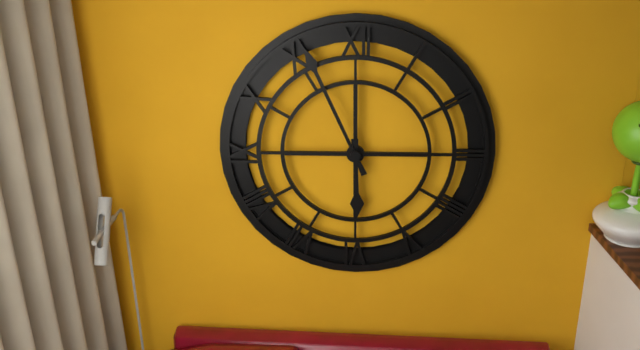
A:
5h56
